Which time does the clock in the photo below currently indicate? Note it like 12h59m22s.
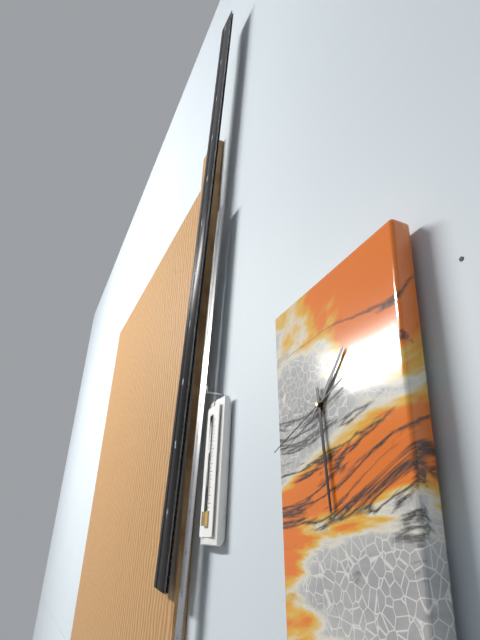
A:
1h29m42s
